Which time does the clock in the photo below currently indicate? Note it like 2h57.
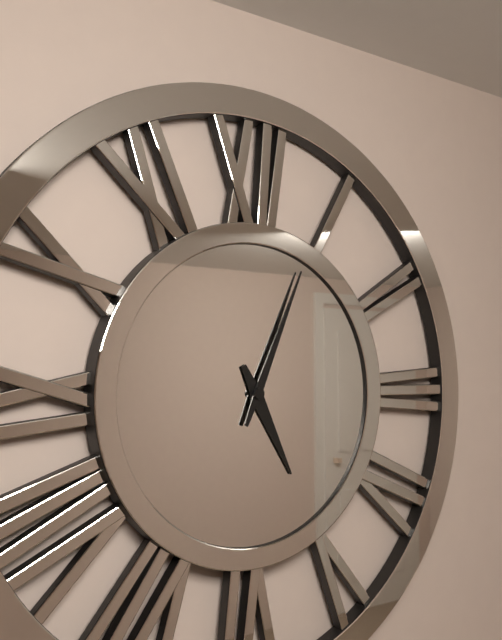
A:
5h04
